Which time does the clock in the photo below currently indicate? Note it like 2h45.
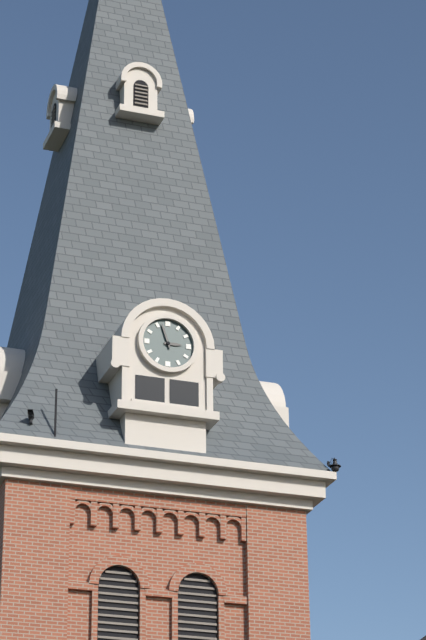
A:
2h57
